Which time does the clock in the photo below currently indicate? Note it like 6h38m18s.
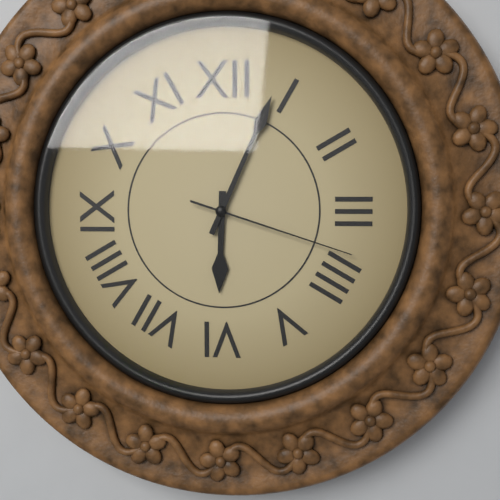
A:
6h04m18s
